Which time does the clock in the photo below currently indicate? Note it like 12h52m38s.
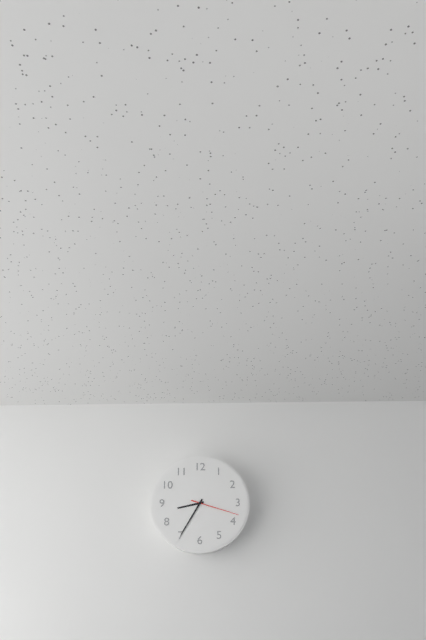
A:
8h35m18s
